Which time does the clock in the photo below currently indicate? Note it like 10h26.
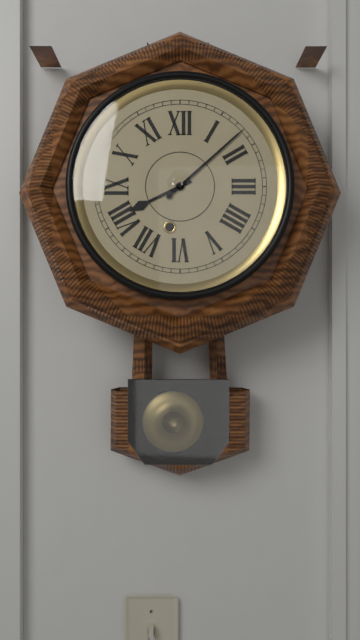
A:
8h08
